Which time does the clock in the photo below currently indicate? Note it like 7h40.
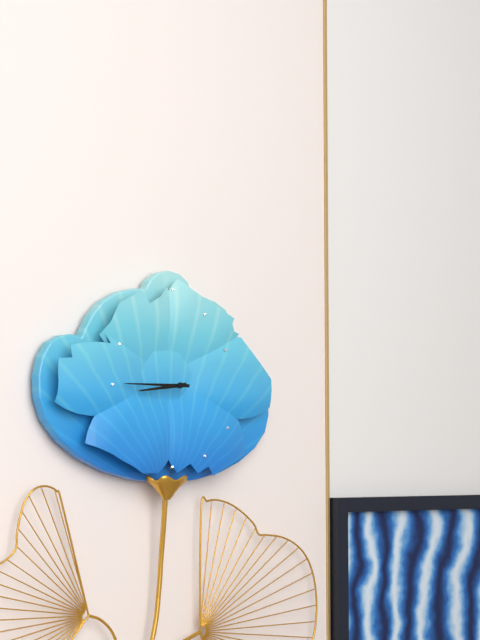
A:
8h45
